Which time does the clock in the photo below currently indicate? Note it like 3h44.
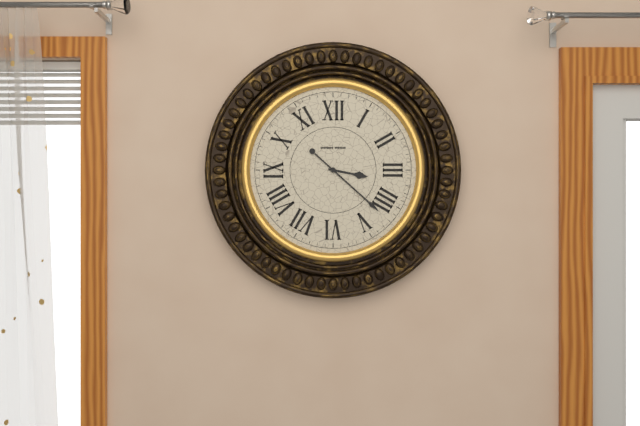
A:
3h22
